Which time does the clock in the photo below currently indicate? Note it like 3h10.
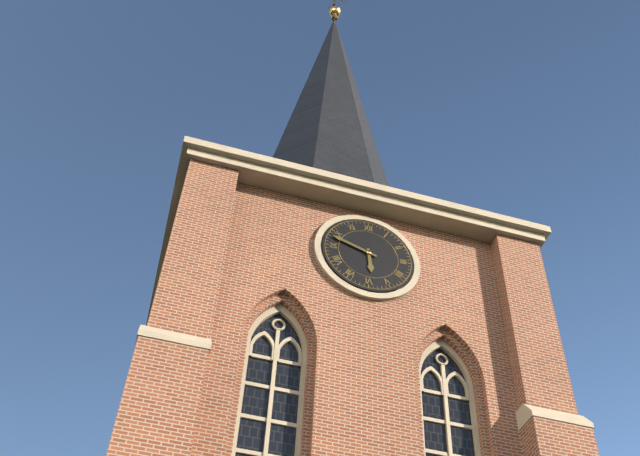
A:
5h48
